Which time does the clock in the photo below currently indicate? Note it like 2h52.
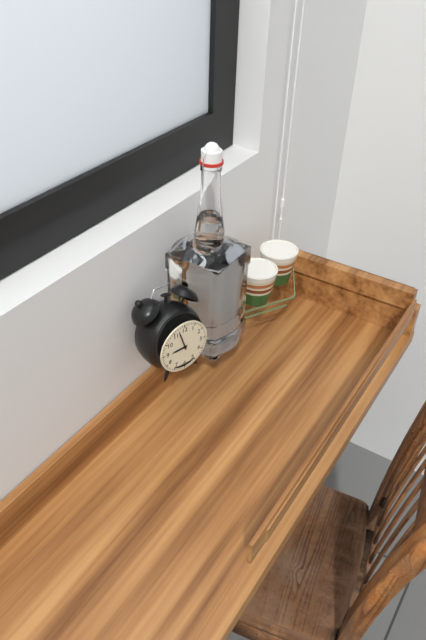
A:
8h57
